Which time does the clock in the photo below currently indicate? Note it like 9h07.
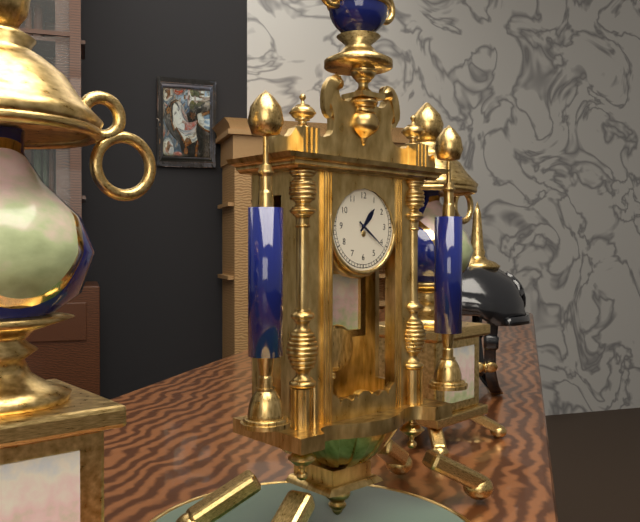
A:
1h21
